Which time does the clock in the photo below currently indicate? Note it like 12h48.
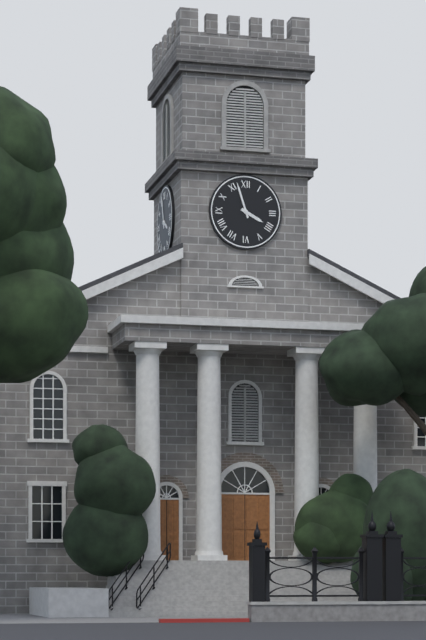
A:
3h57
